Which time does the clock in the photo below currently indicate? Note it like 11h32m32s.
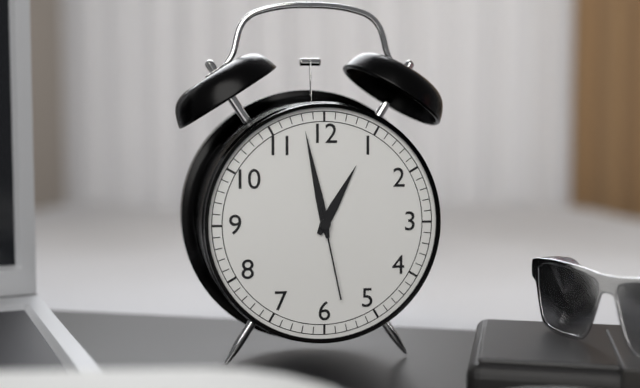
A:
12h58m28s
